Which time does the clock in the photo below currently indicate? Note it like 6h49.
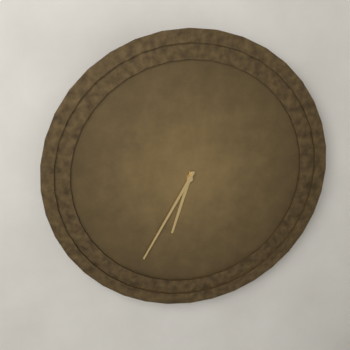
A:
6h35
